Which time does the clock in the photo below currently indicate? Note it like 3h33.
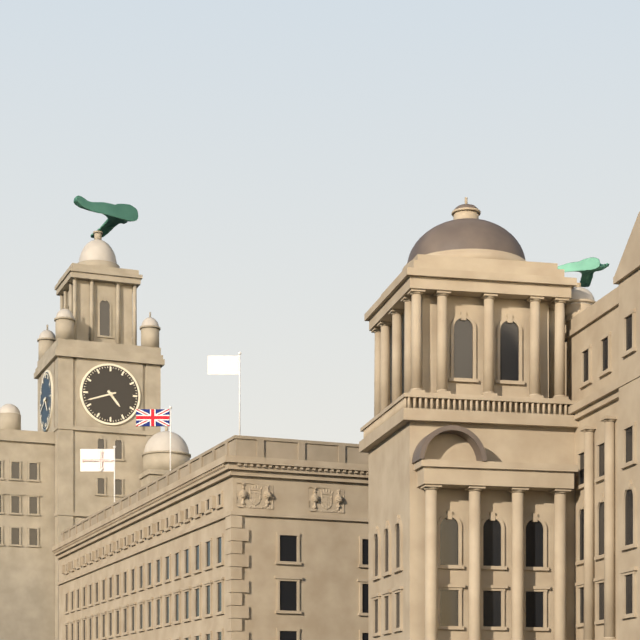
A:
4h42
